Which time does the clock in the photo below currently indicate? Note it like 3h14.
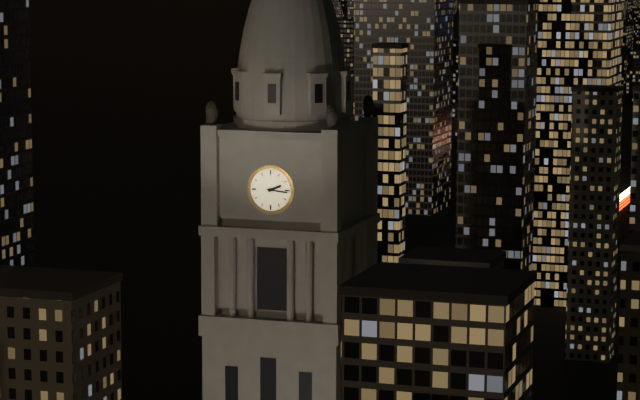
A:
2h16
